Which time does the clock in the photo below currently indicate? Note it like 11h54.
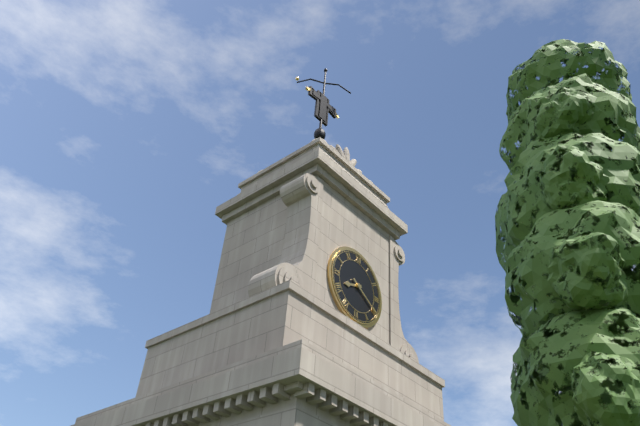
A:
8h20
